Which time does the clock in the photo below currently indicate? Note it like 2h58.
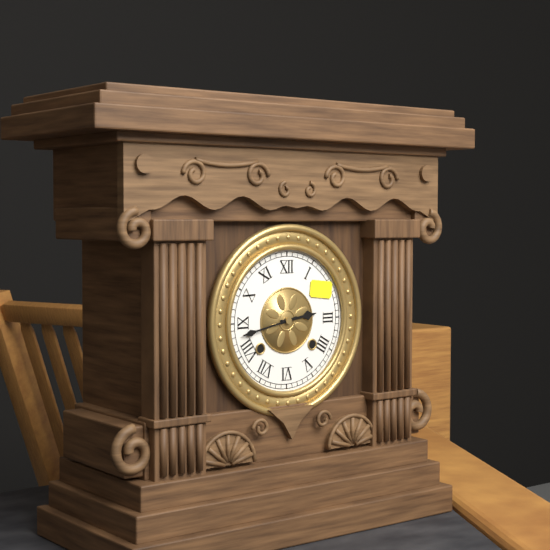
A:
2h43
